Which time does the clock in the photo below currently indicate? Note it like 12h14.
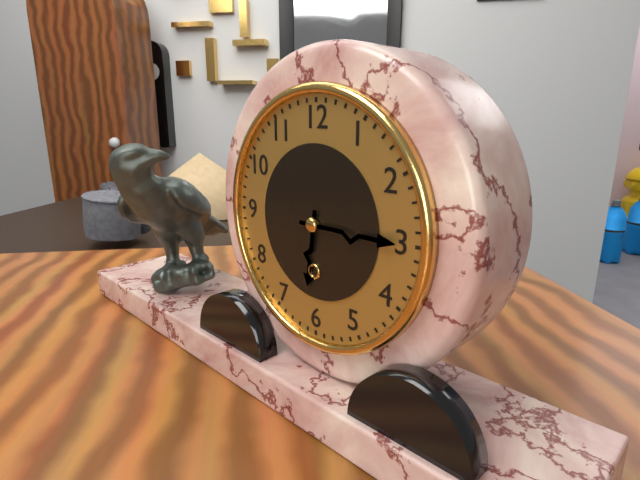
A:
6h15
